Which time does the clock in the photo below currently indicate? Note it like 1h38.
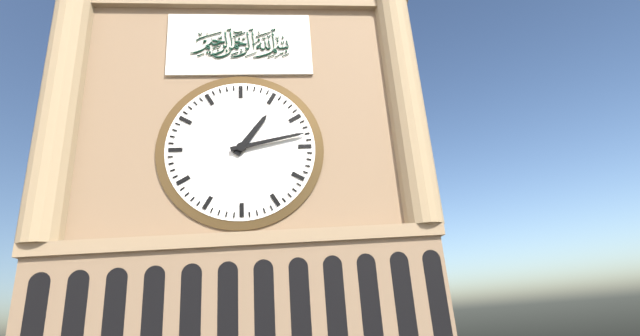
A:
1h13
